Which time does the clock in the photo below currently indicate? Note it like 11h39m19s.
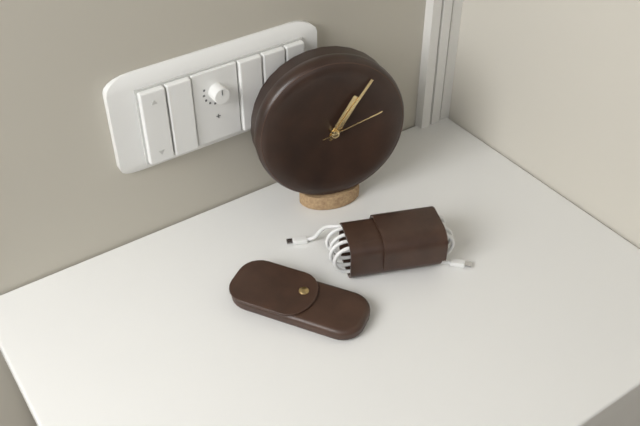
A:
1h06m12s
